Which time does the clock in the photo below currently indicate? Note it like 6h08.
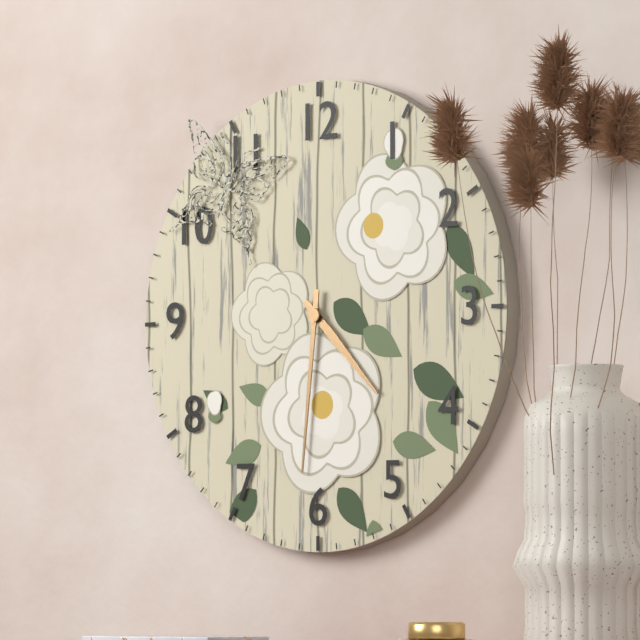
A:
4h31
